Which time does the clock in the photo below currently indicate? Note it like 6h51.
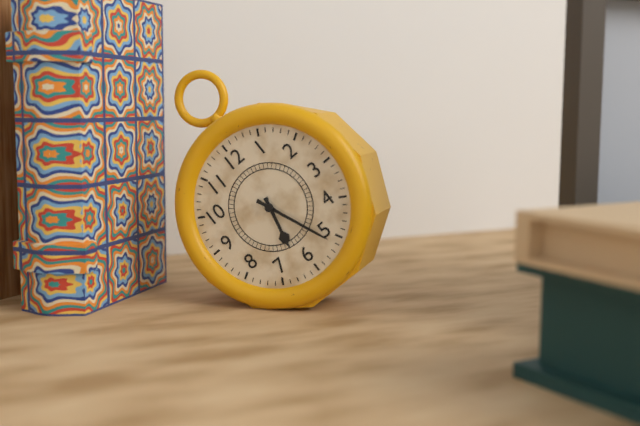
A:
6h26
